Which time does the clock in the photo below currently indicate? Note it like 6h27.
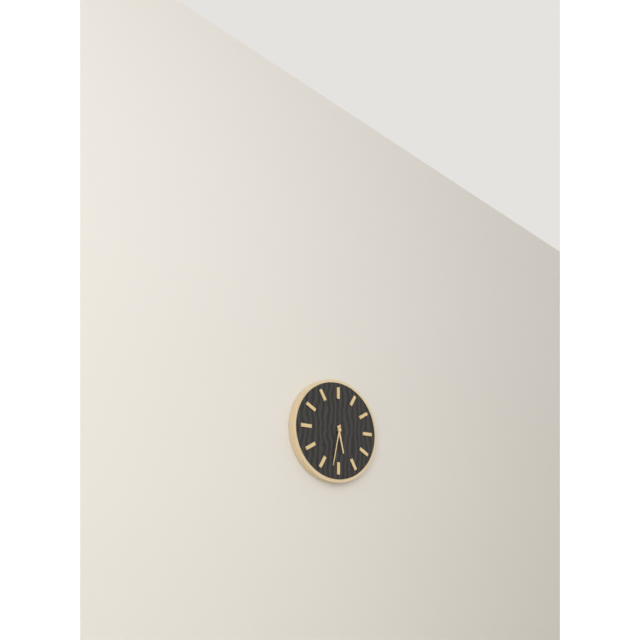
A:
5h32
